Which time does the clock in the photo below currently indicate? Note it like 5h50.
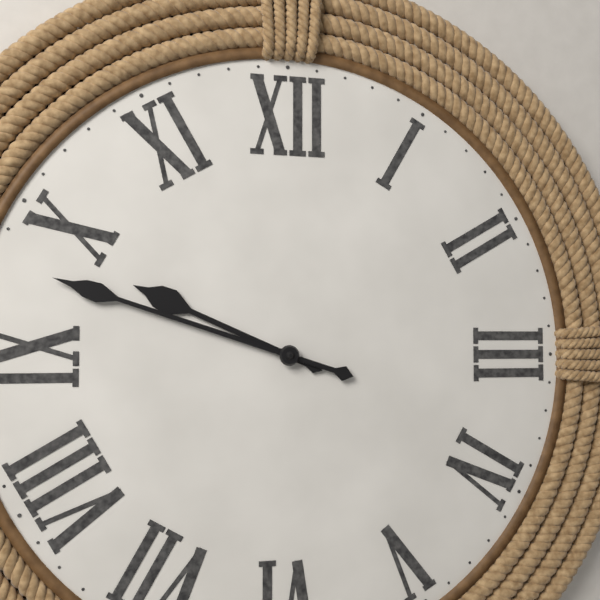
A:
9h48
